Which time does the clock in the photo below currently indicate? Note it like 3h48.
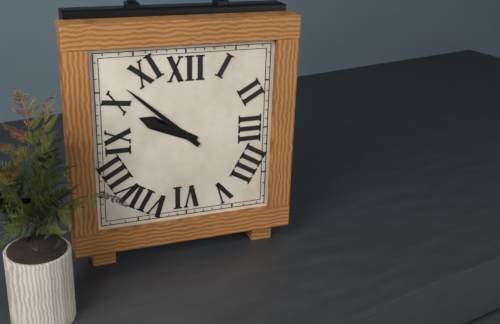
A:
9h52
